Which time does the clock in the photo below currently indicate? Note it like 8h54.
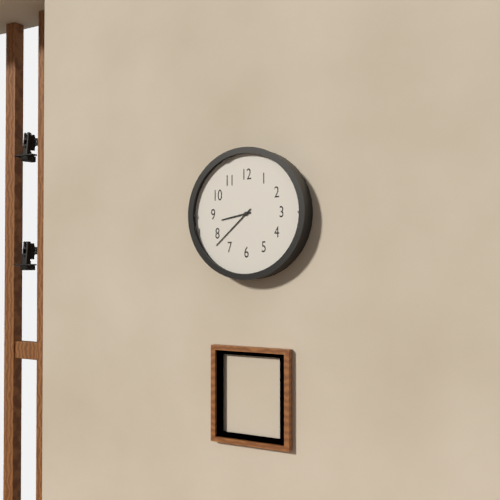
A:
8h38
